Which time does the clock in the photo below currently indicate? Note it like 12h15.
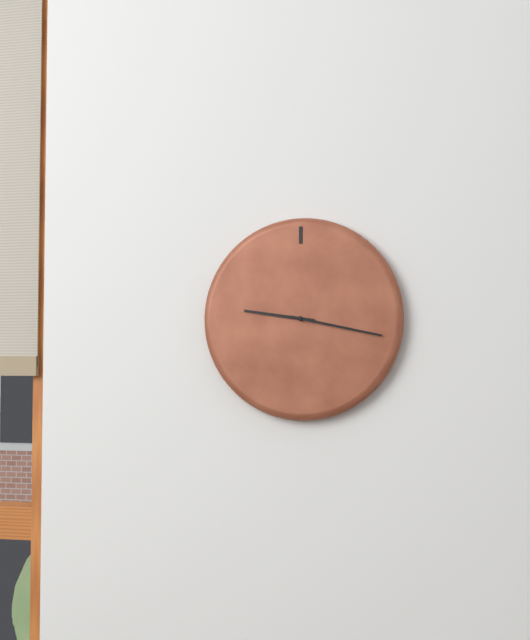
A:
9h17
